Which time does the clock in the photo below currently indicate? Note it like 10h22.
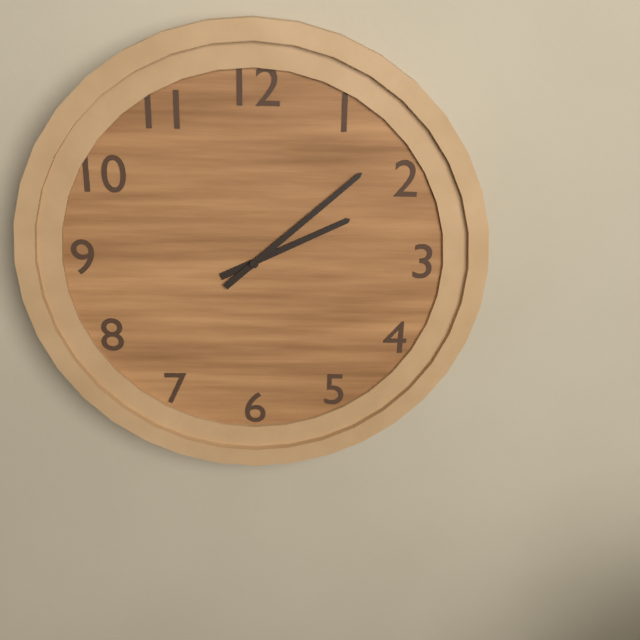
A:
2h08
